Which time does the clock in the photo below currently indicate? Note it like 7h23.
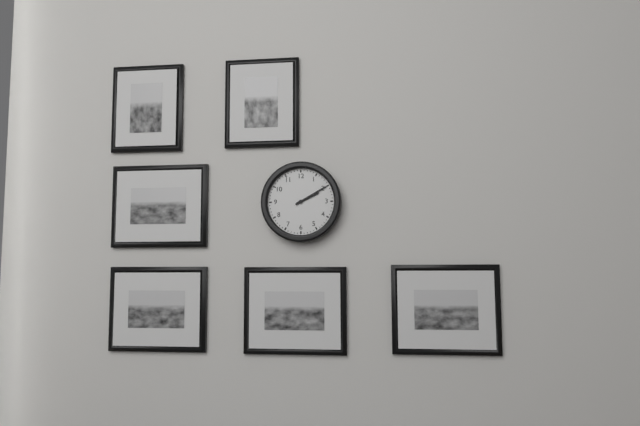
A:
2h10
